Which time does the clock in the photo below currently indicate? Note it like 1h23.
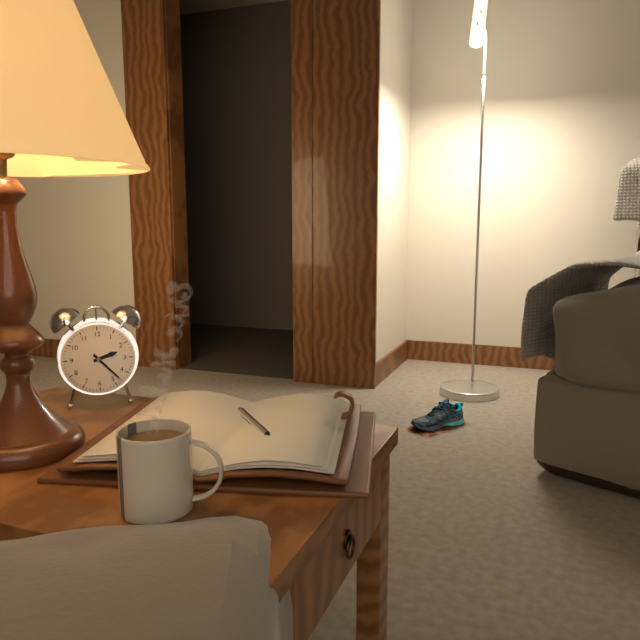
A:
2h23
